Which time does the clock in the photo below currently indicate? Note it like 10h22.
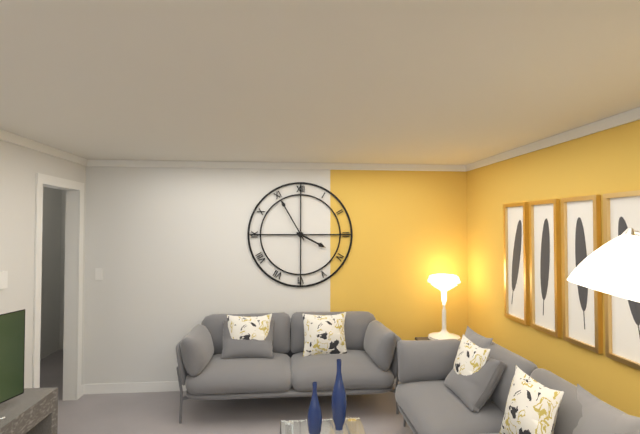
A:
3h55
